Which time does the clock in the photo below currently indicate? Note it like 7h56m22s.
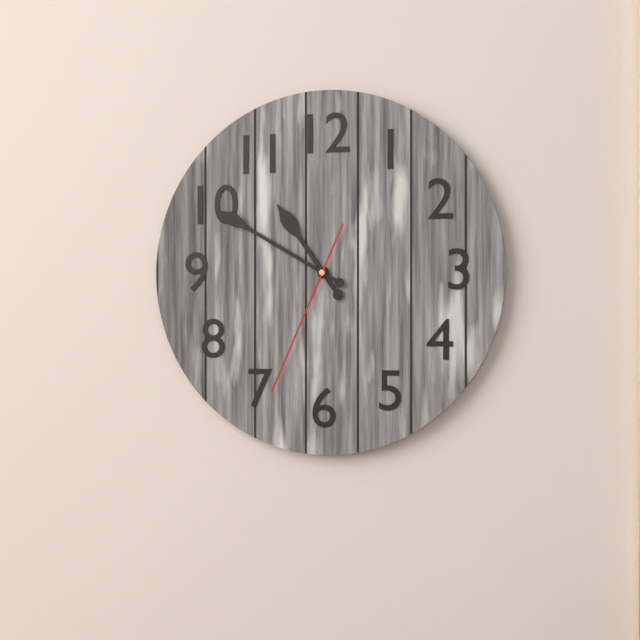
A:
10h50m34s
